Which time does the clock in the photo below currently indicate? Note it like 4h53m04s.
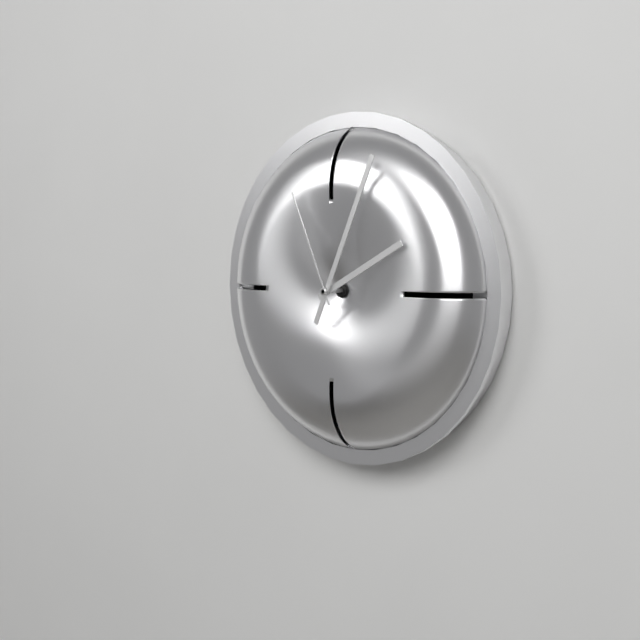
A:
2h04m56s
